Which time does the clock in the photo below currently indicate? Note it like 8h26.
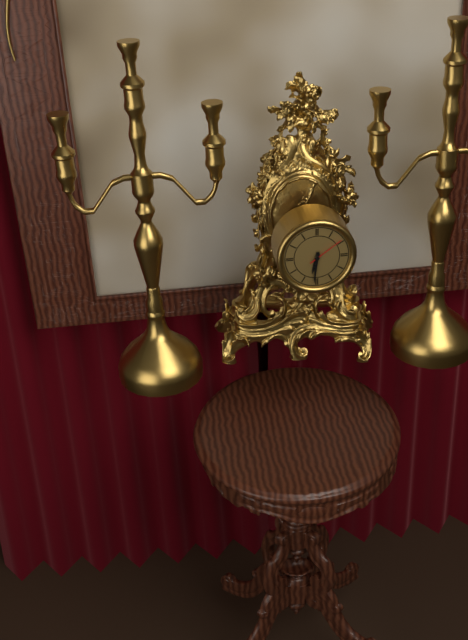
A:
6h31
